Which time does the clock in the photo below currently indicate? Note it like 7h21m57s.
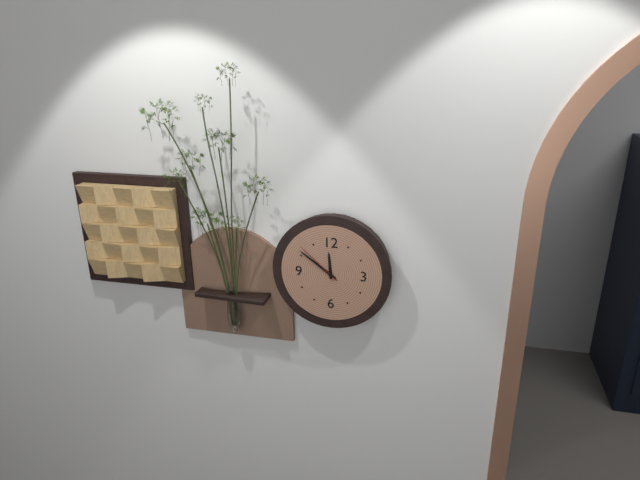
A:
11h51m52s
